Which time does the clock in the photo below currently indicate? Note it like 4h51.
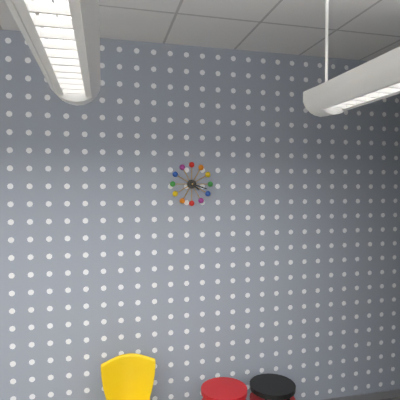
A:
4h18
